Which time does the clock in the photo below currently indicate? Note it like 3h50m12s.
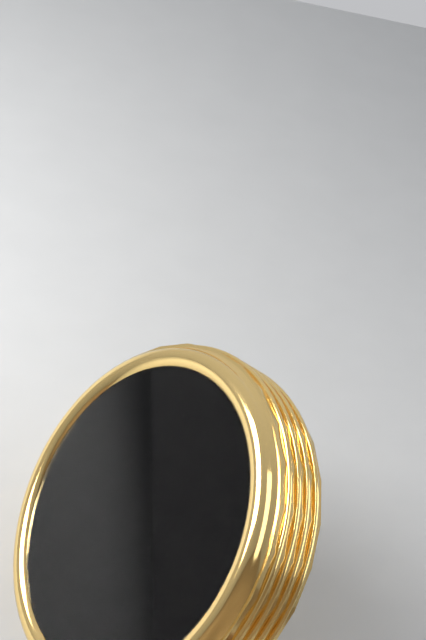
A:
7h38m23s
